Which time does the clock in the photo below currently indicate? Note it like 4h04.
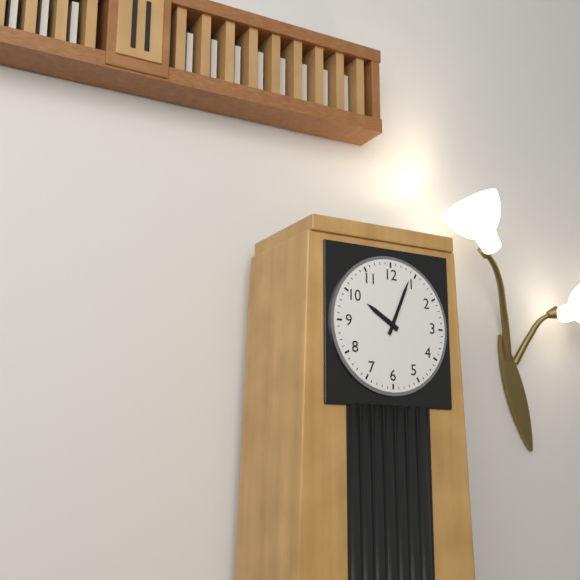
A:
10h04
